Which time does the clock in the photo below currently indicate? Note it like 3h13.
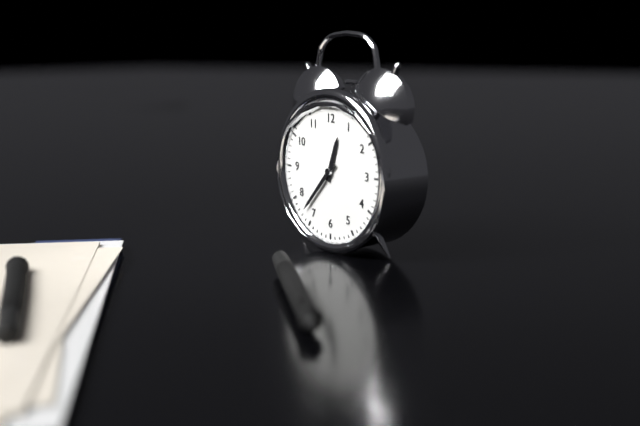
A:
12h37
